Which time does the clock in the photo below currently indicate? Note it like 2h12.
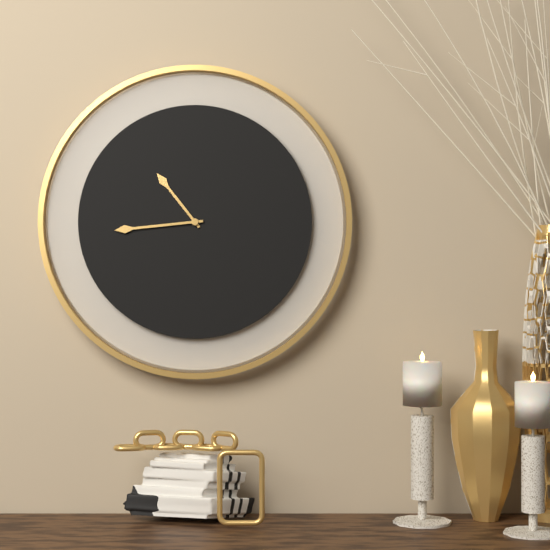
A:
10h44
